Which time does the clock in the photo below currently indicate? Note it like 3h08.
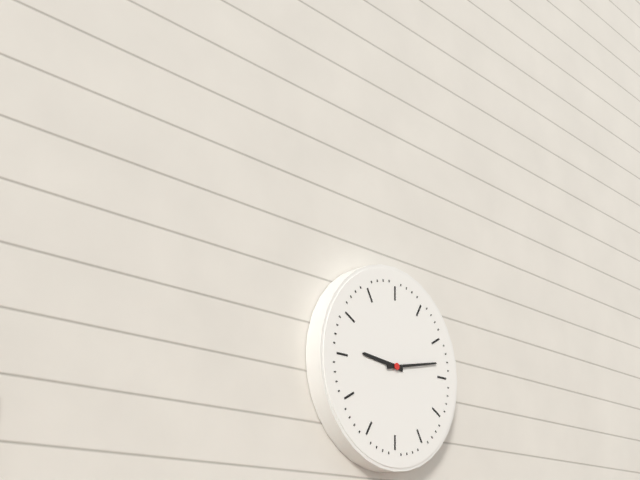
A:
9h13
